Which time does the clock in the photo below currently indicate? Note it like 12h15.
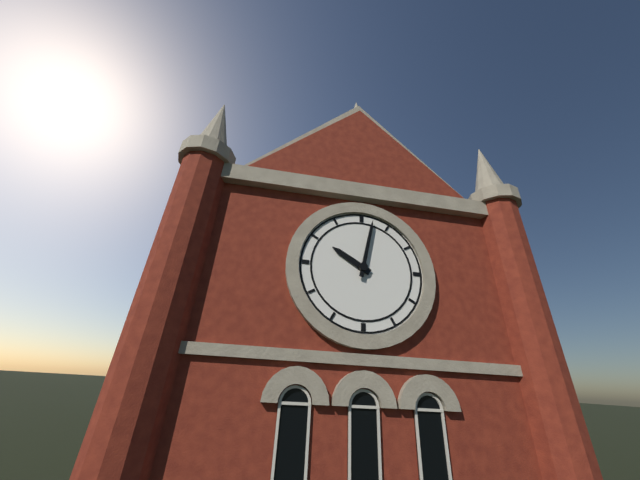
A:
10h02
